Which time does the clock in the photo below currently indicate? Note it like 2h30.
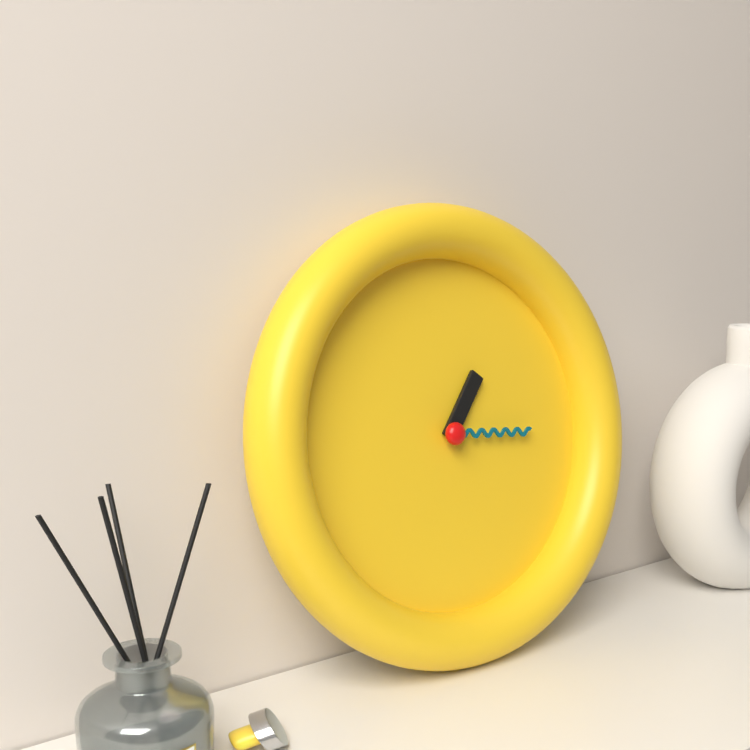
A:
1h16
